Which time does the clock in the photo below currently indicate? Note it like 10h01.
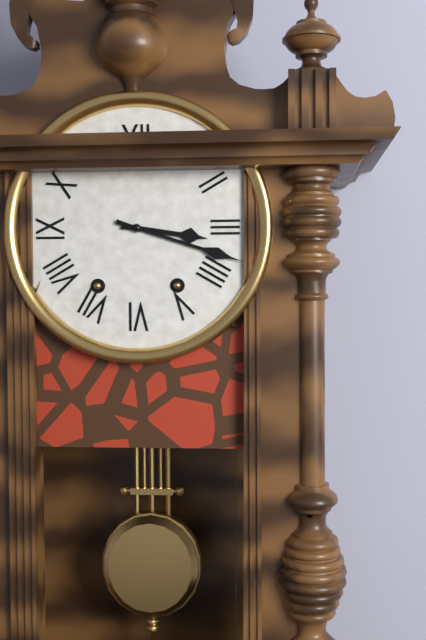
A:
3h18
